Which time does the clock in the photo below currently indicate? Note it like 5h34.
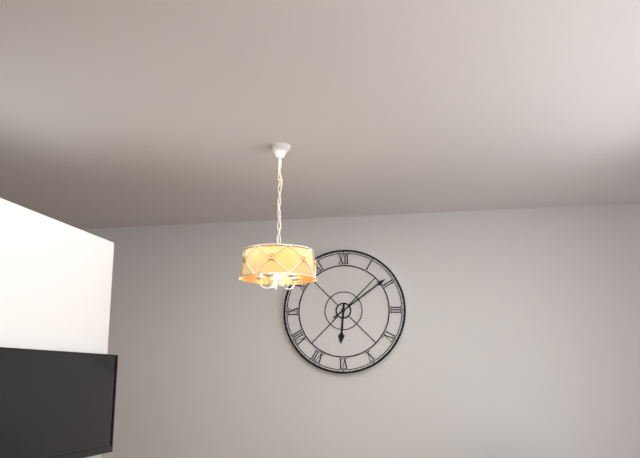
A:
6h09
